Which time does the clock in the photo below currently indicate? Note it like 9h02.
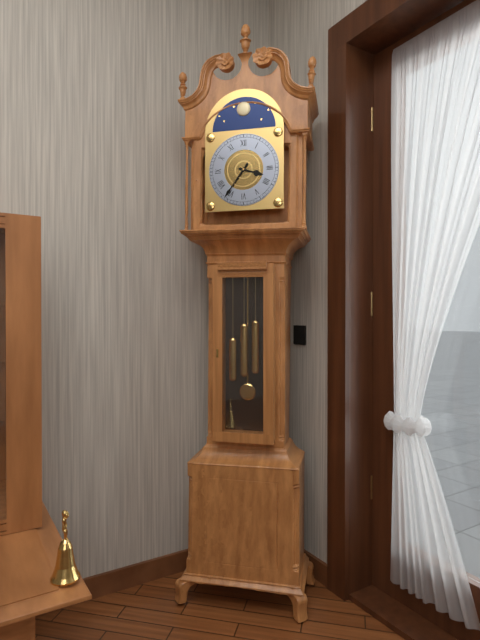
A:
3h36
